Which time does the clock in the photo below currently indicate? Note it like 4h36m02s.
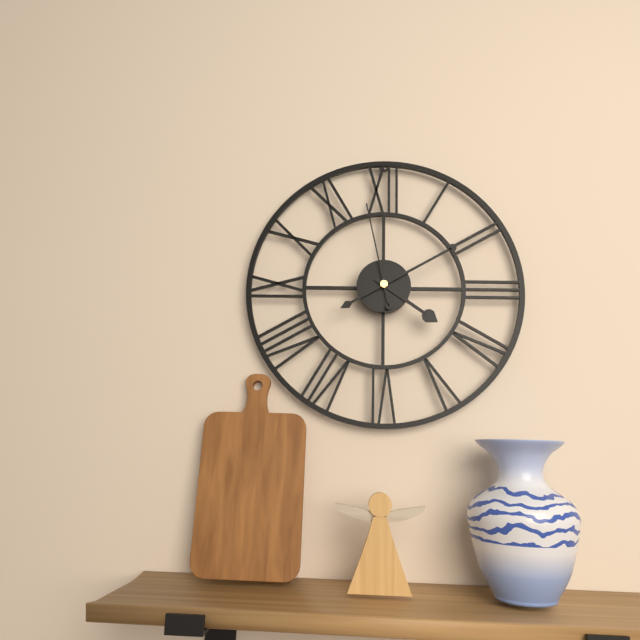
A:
4h10m58s
